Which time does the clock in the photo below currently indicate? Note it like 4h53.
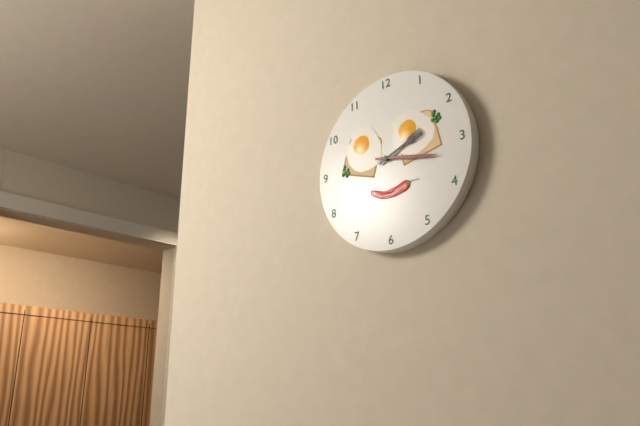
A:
2h17
